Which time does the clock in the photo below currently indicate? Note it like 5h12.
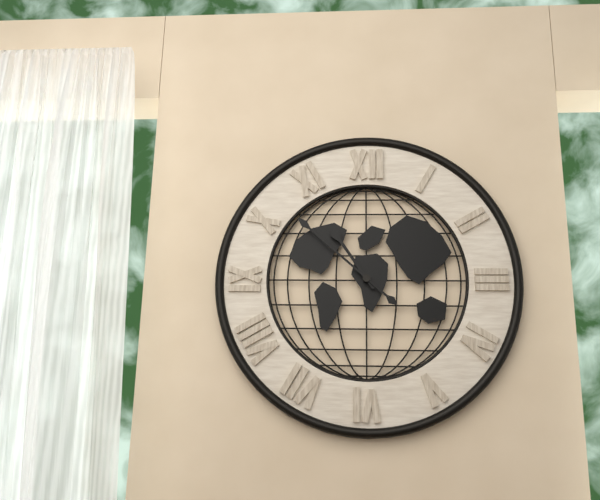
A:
10h52
